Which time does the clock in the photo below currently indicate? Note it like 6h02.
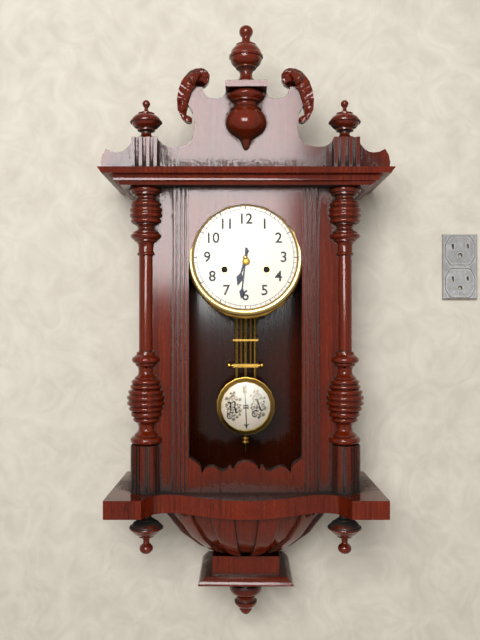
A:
6h31
